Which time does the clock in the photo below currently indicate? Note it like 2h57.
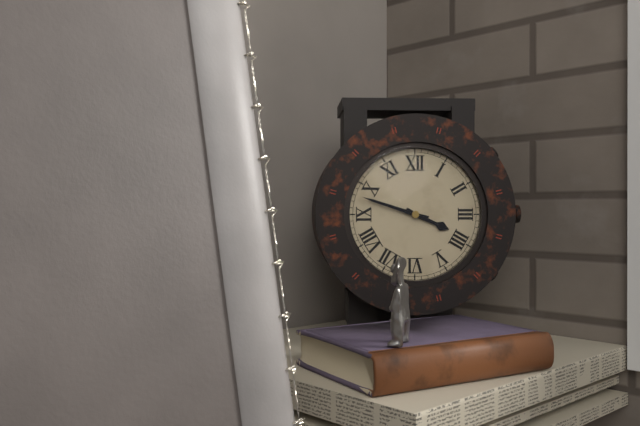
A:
3h48
